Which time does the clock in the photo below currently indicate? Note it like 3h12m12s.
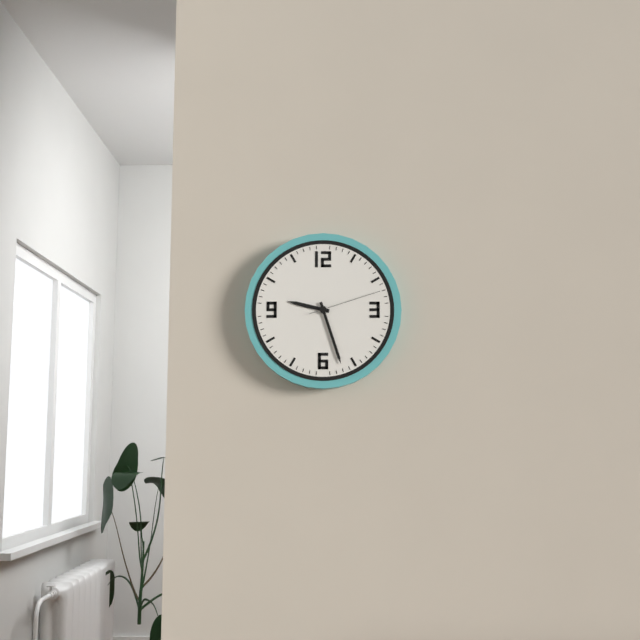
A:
9h27m12s
